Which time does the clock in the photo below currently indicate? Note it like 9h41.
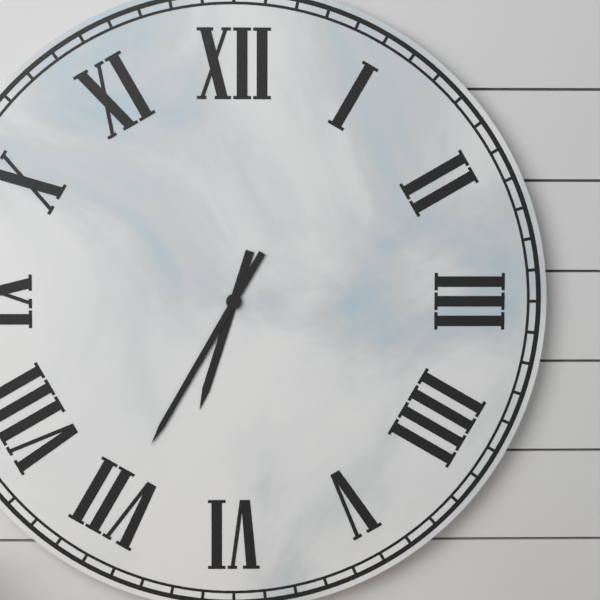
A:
6h35
